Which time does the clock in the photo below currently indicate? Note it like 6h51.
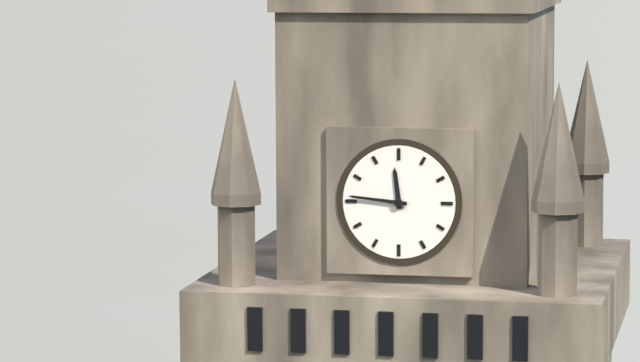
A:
11h46
